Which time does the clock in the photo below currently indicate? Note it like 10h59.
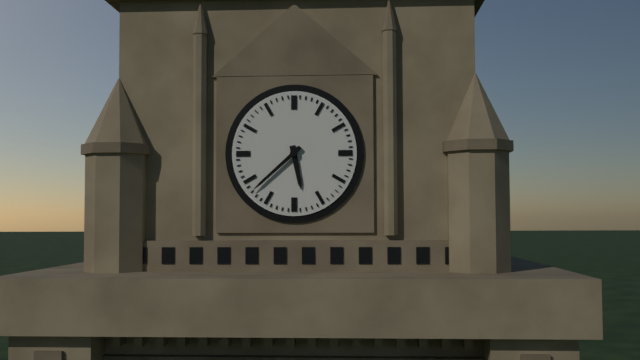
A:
5h38
